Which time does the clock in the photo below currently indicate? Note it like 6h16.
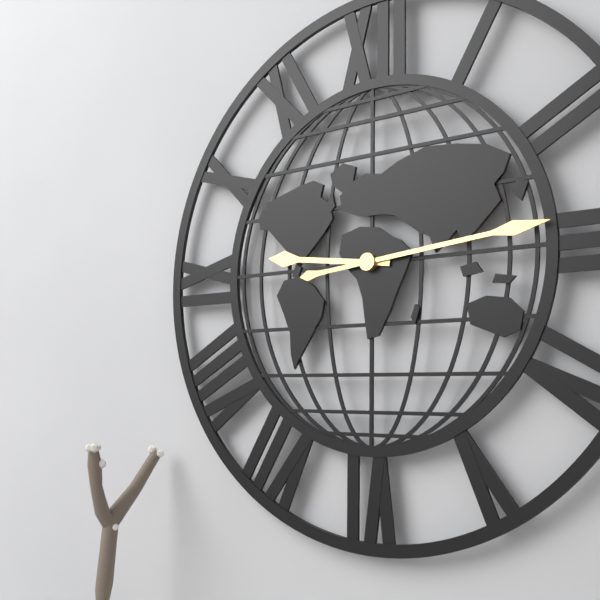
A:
9h14
